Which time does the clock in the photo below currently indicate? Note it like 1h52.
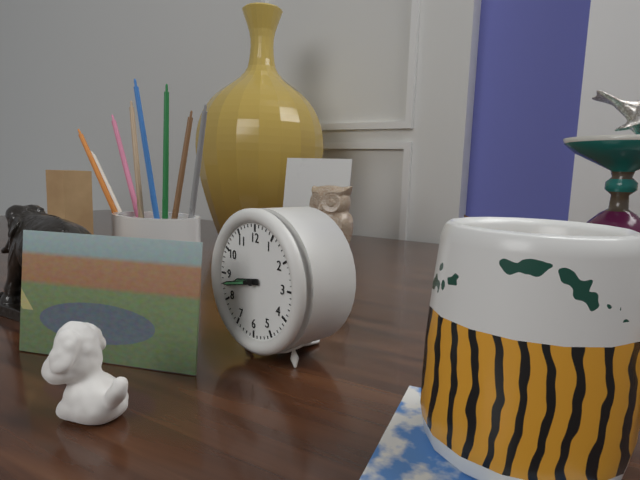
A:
8h43
